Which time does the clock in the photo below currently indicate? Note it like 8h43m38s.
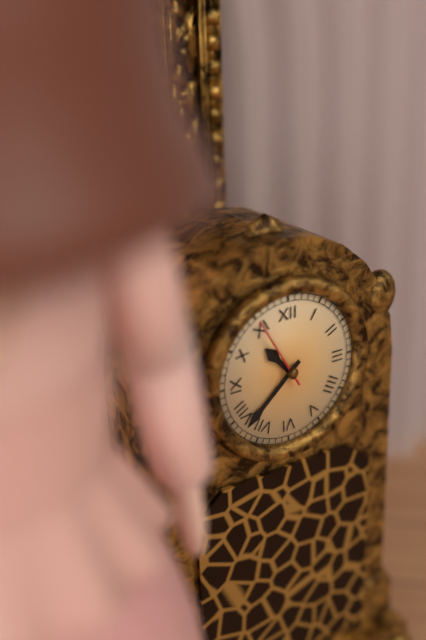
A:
10h38m55s
